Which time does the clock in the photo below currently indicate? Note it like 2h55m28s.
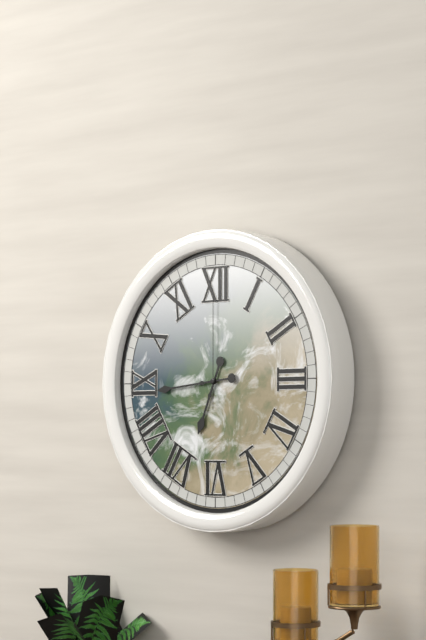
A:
6h44m00s
